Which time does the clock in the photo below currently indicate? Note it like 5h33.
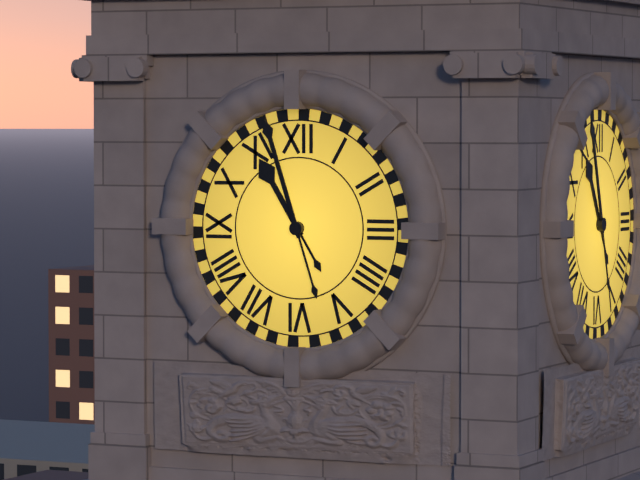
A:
10h57
